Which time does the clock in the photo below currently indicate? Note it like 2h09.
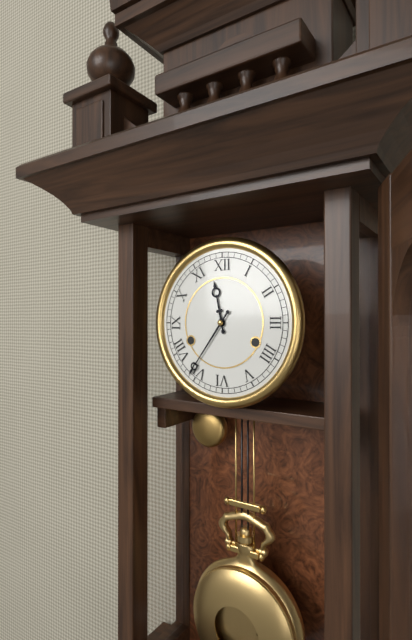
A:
11h36
